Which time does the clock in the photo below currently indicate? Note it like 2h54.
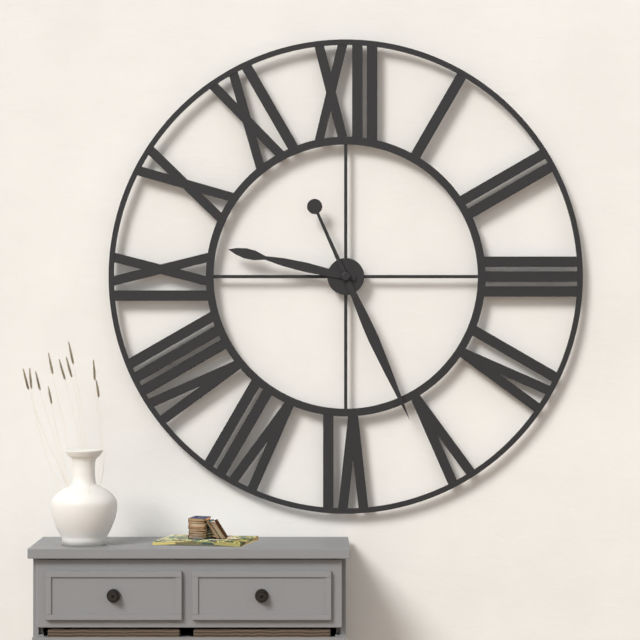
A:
9h26
